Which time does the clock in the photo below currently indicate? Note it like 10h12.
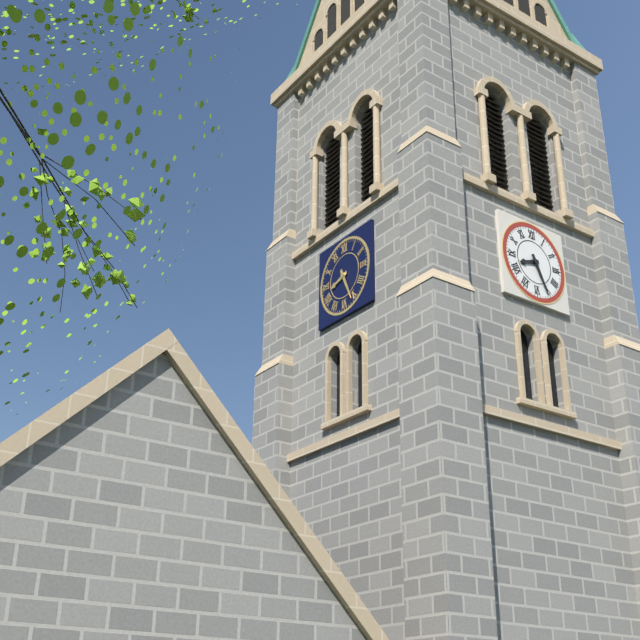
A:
8h26
